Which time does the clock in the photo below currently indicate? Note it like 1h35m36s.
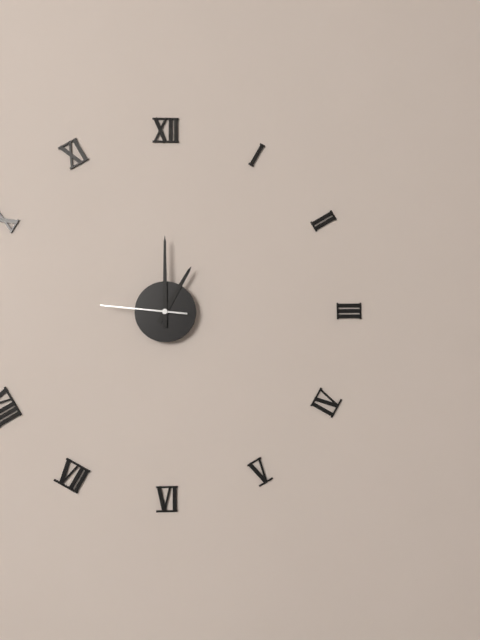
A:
1h00m46s
